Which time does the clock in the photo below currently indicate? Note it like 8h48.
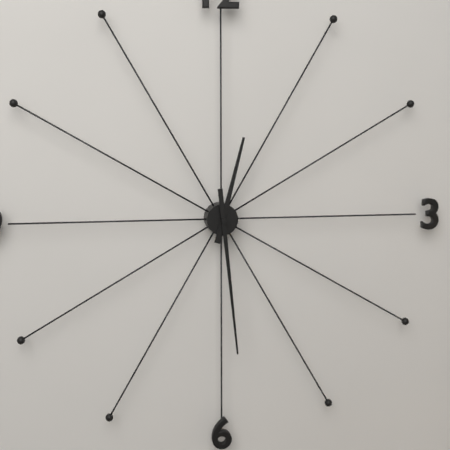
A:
12h29
